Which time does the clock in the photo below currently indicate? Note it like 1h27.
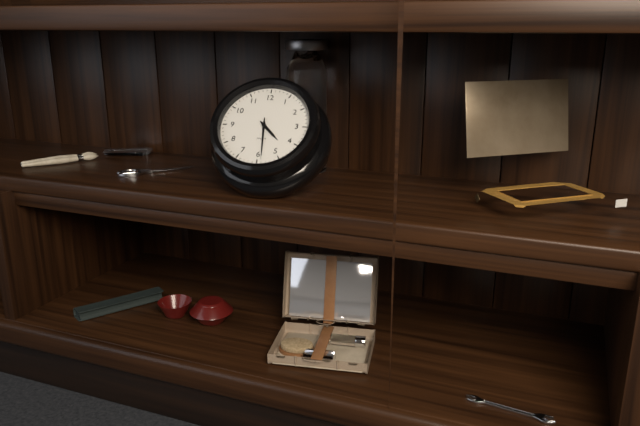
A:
4h29
